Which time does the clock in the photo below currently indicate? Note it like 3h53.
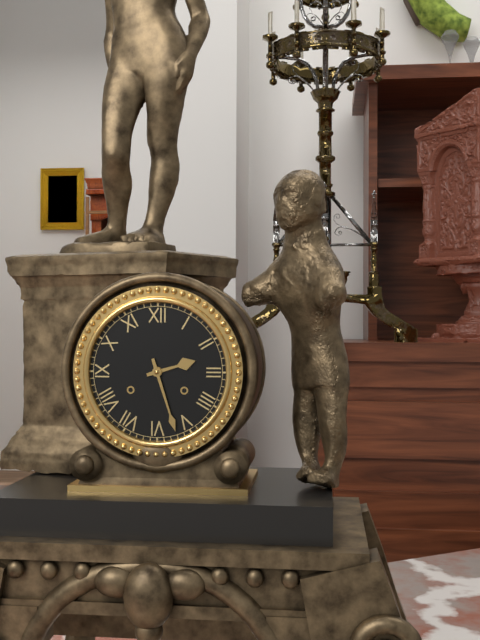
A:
2h27
